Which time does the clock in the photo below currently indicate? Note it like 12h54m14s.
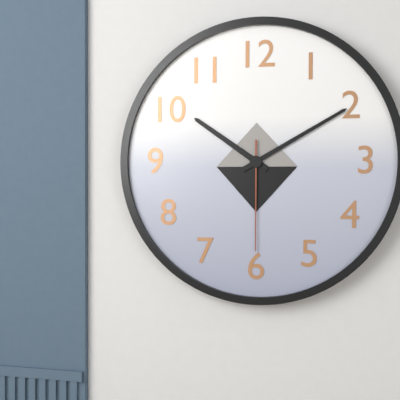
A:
10h10m30s
